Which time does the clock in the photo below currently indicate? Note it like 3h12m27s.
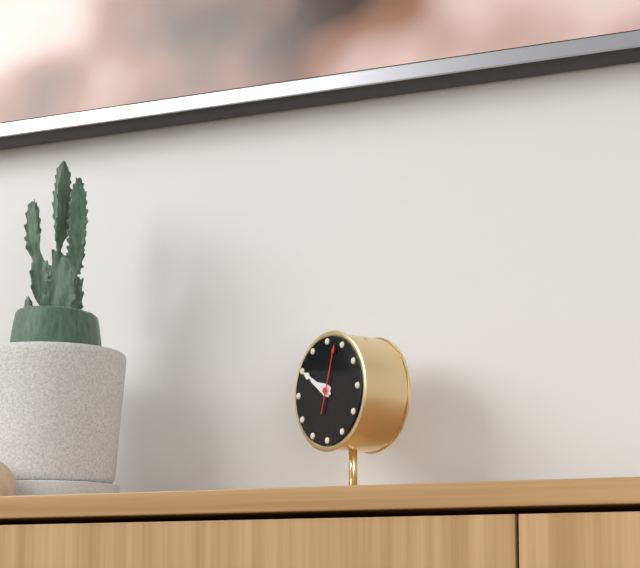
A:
9h50m03s
